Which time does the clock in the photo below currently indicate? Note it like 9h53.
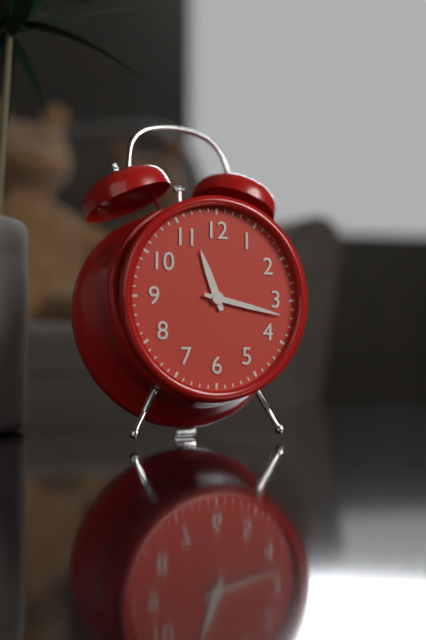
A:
11h17
